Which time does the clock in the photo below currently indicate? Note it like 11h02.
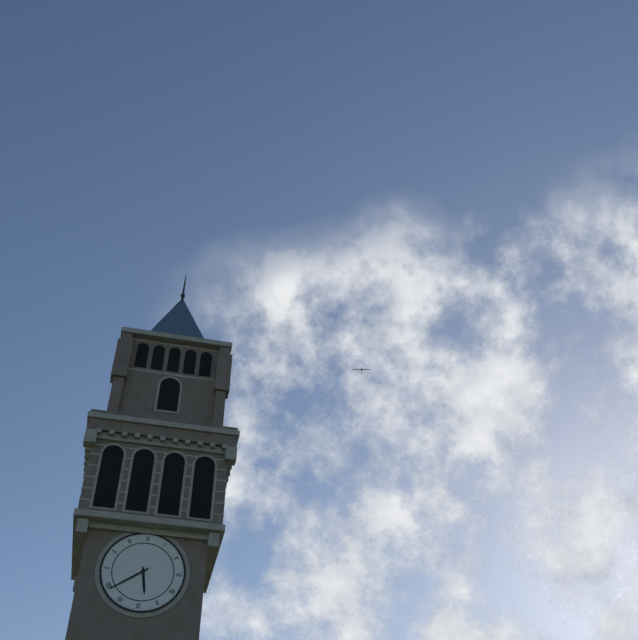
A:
5h39
